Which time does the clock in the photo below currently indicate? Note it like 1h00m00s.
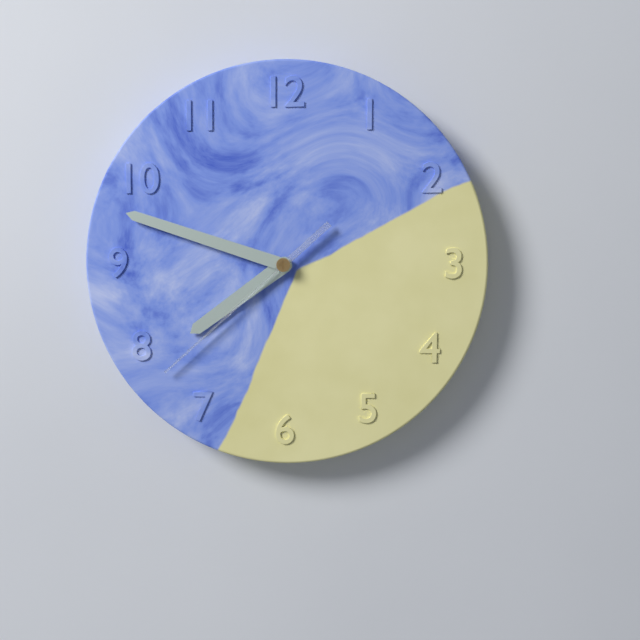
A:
7h48m38s
